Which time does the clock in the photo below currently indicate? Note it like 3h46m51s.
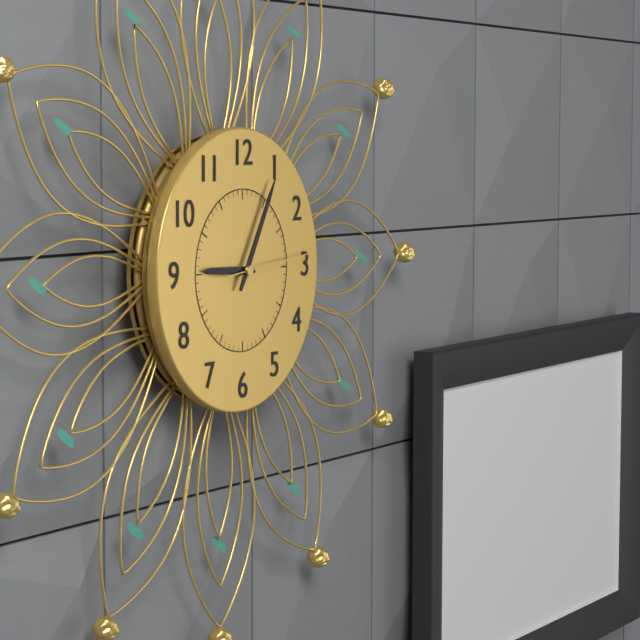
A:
9h05m14s
